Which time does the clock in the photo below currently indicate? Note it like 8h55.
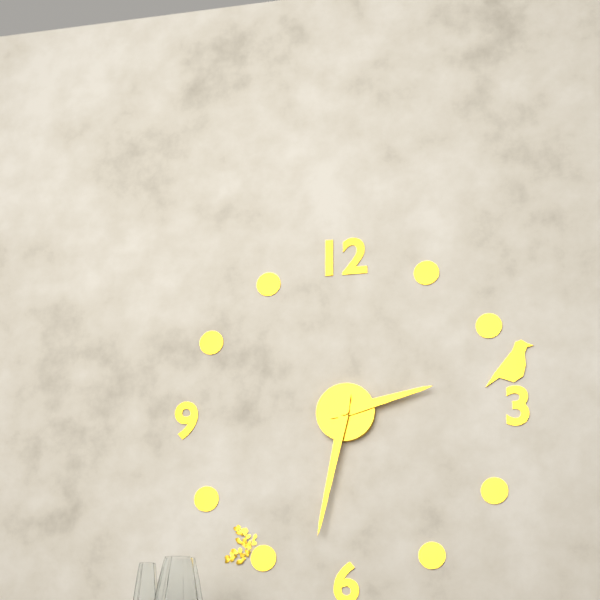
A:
2h32
